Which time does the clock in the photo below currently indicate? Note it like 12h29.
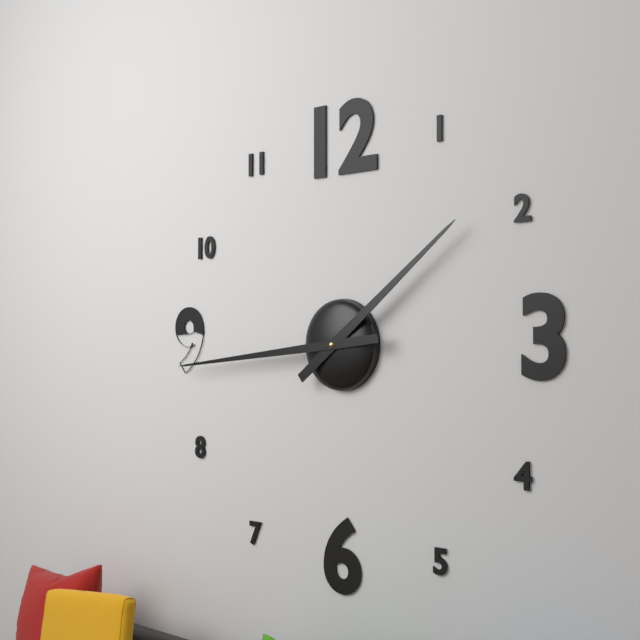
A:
1h44
